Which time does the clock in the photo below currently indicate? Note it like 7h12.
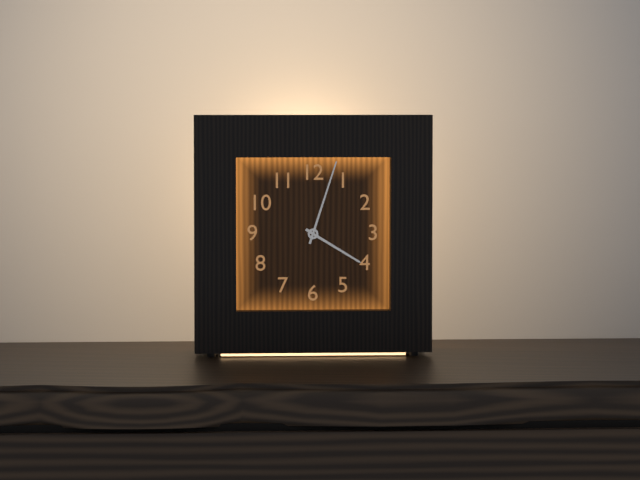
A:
4h03
